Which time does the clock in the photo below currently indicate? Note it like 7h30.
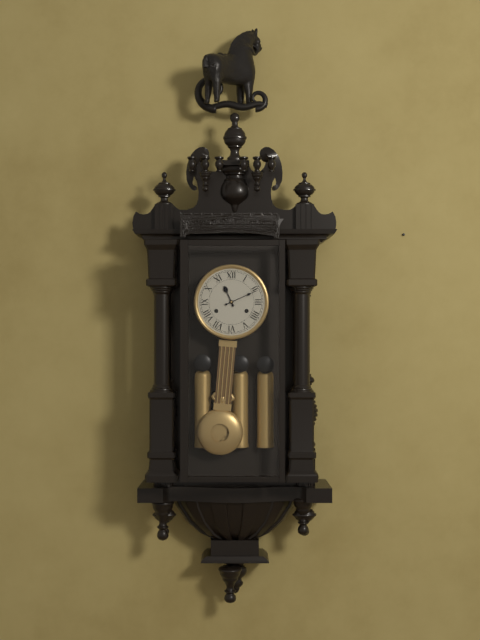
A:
11h11
